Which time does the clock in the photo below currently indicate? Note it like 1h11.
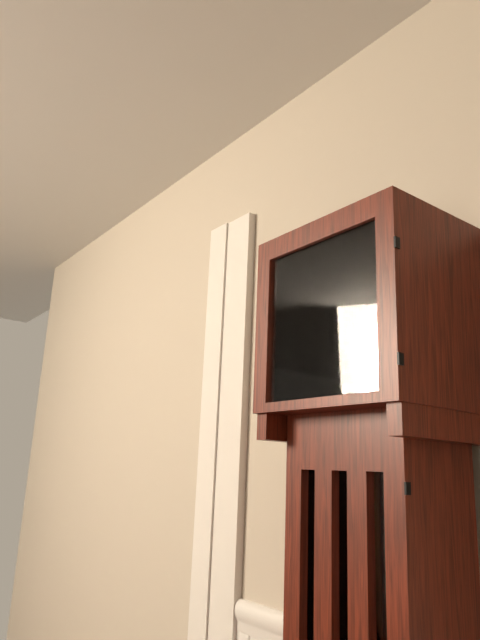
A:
4h18
